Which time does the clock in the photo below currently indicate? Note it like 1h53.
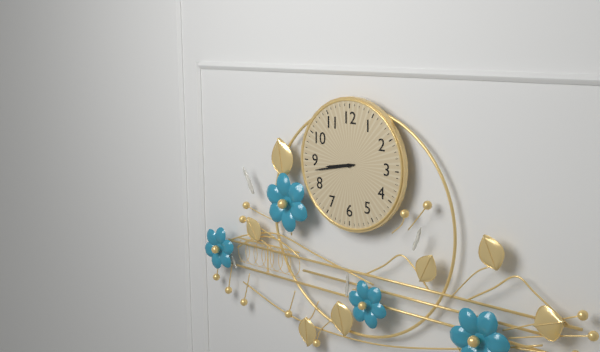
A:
8h43
